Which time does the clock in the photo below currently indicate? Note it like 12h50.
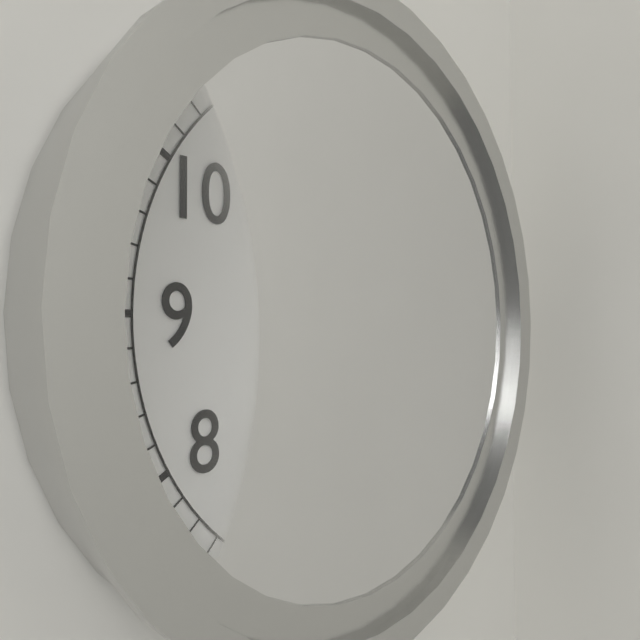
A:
7h30
